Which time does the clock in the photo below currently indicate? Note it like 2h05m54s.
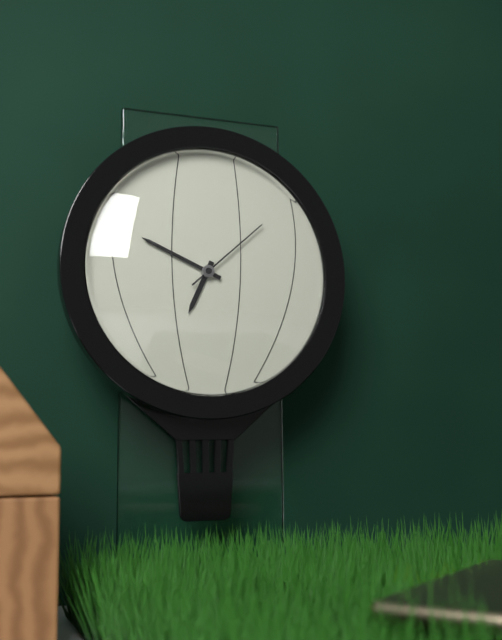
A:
6h49m08s
